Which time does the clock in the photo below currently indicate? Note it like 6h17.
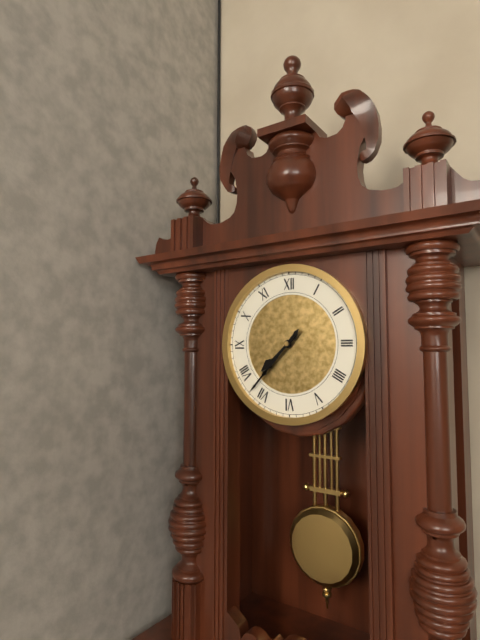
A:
7h37
